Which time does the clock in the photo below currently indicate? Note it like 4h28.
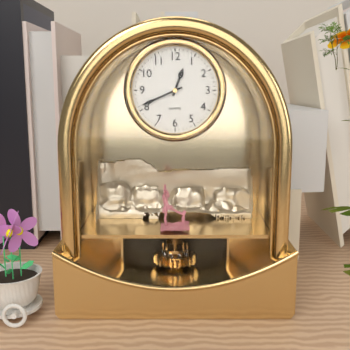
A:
12h41
